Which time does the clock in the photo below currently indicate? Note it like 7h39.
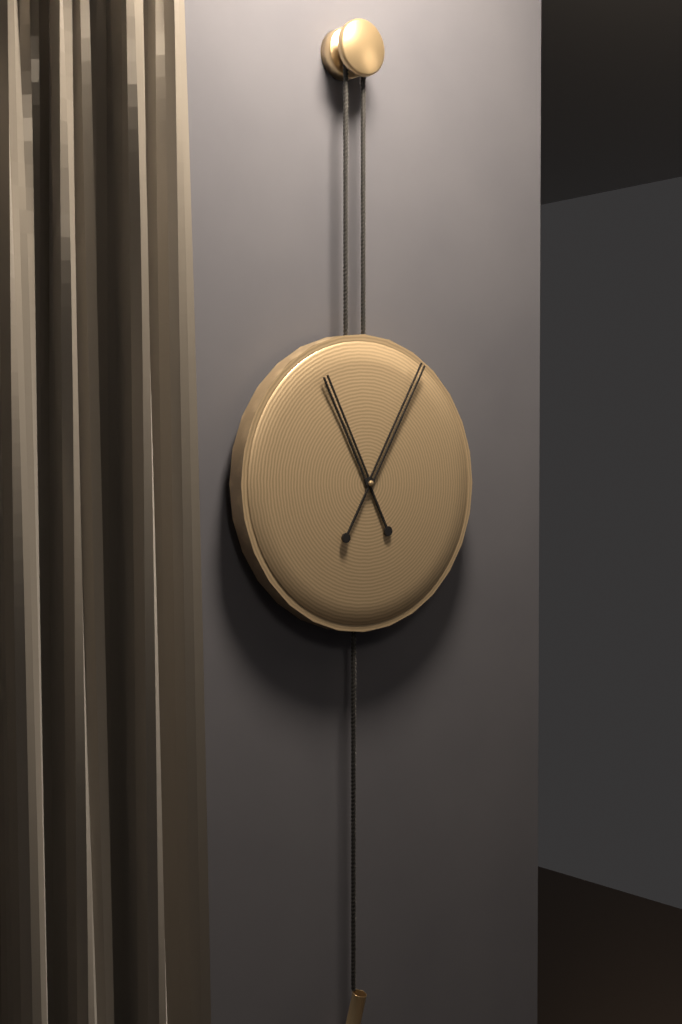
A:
11h05
